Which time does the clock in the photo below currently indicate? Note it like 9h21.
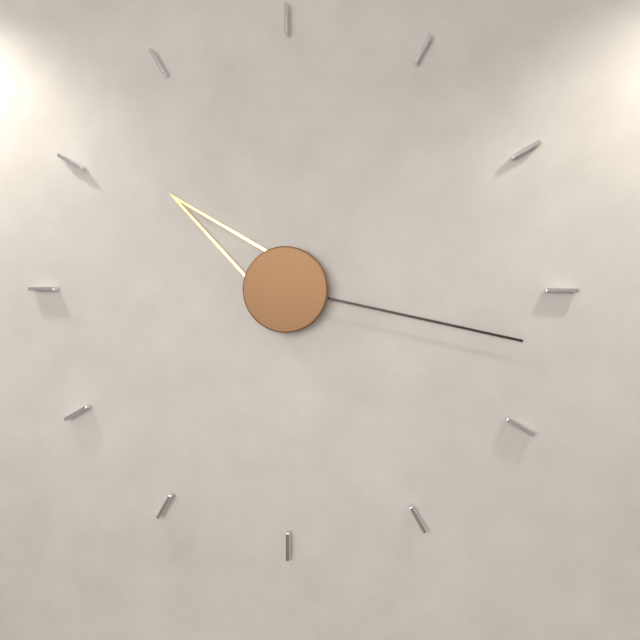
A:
10h17
